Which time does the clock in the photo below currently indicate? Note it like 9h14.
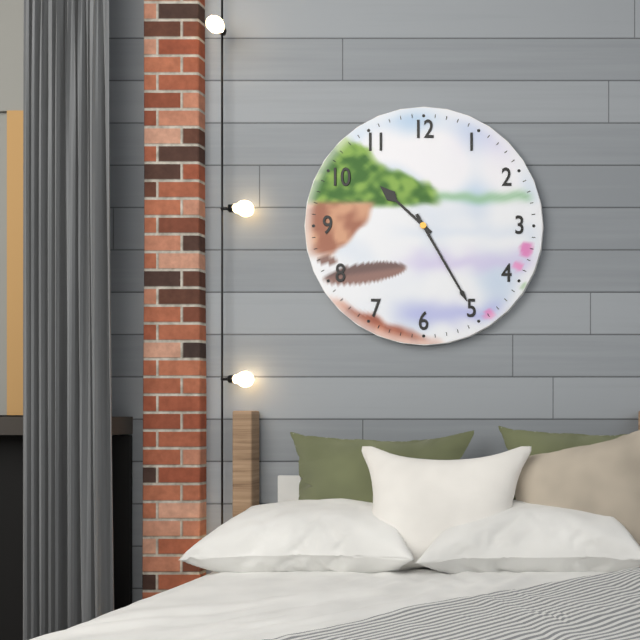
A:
10h25
